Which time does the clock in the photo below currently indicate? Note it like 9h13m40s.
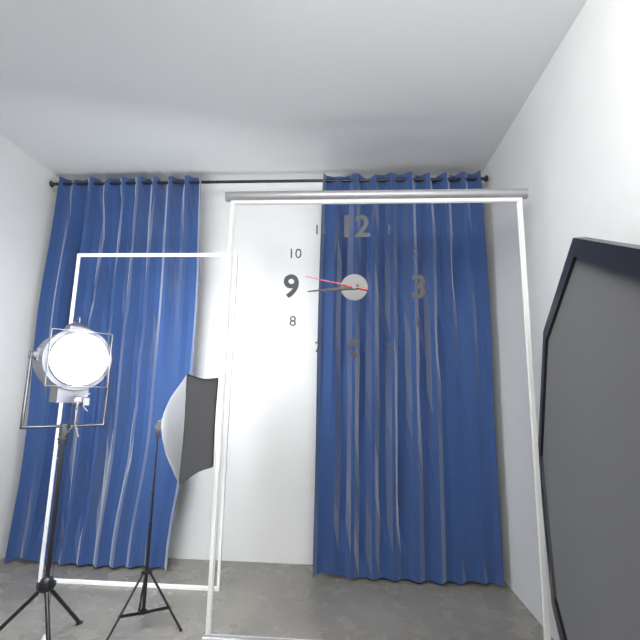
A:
8h44m47s
